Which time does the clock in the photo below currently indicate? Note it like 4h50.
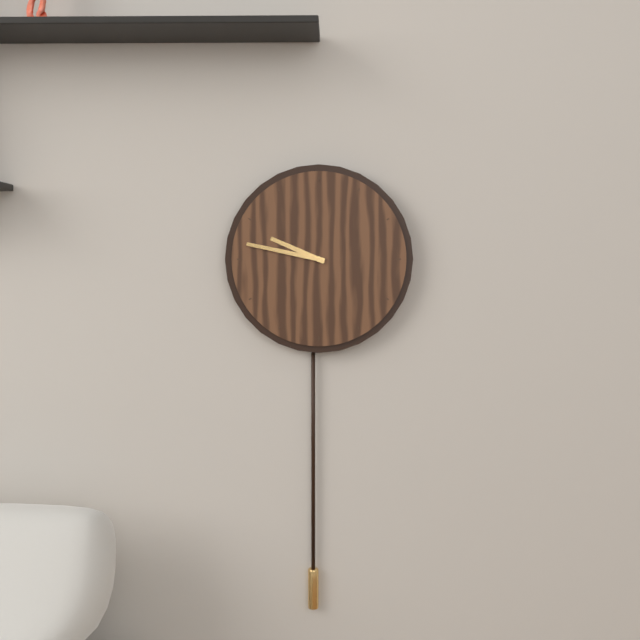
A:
9h47
